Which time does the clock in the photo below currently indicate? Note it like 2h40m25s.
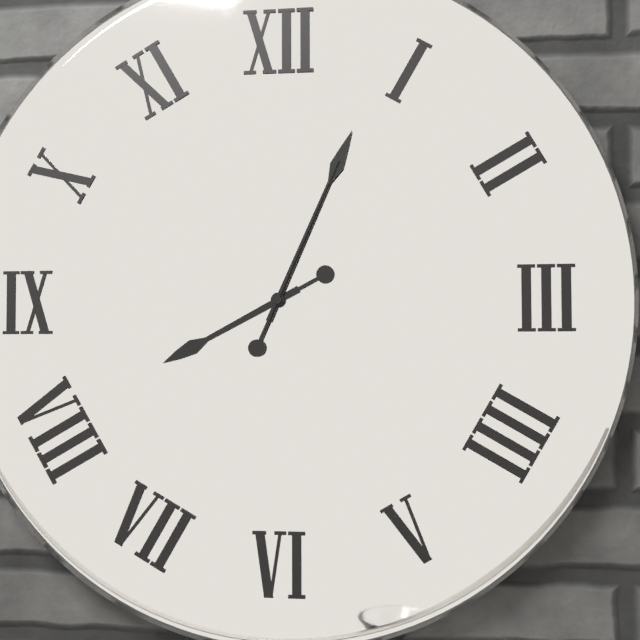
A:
8h04m04s
